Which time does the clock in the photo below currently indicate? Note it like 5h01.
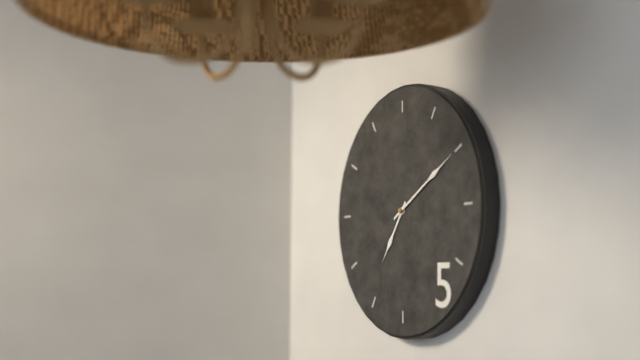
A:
7h10
